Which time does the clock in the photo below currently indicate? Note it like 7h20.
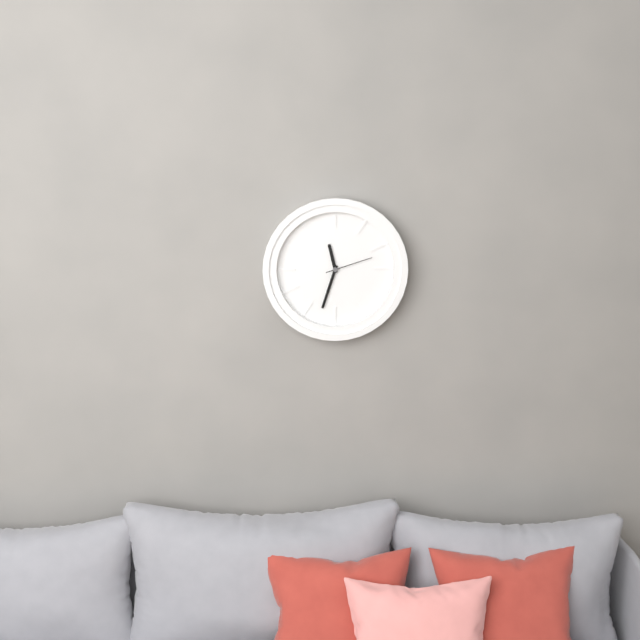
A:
11h33
